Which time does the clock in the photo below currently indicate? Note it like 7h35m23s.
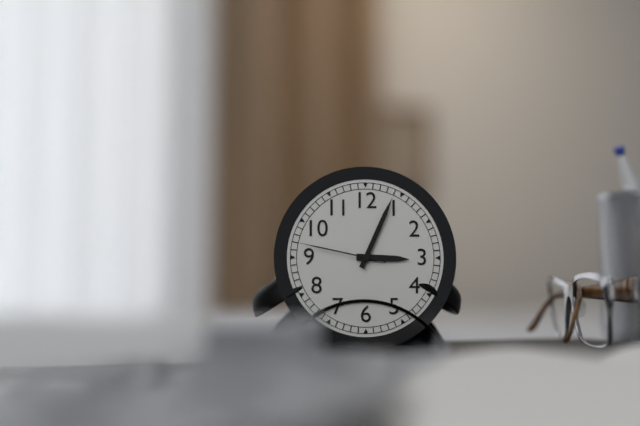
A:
3h04m47s
